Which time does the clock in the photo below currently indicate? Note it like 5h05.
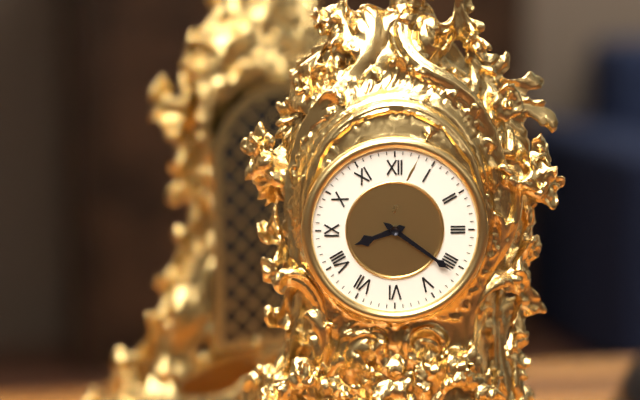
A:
8h21
